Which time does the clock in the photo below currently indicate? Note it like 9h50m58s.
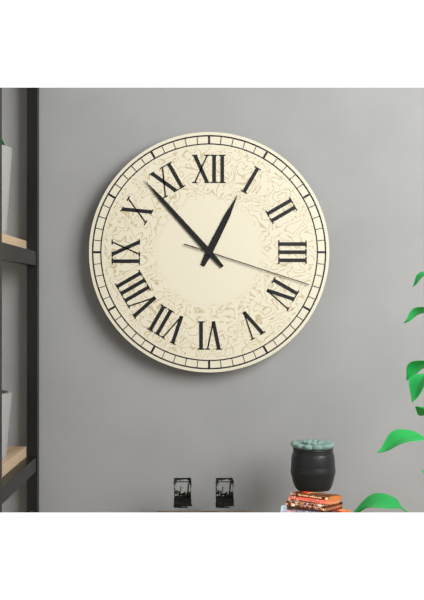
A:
12h53m18s
